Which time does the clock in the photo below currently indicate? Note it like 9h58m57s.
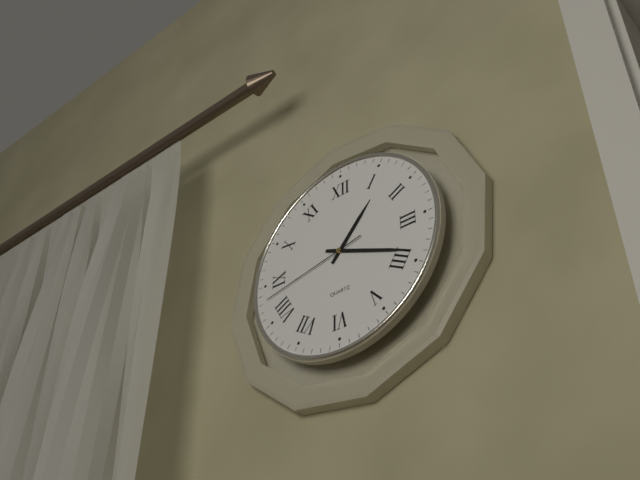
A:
1h19m43s
